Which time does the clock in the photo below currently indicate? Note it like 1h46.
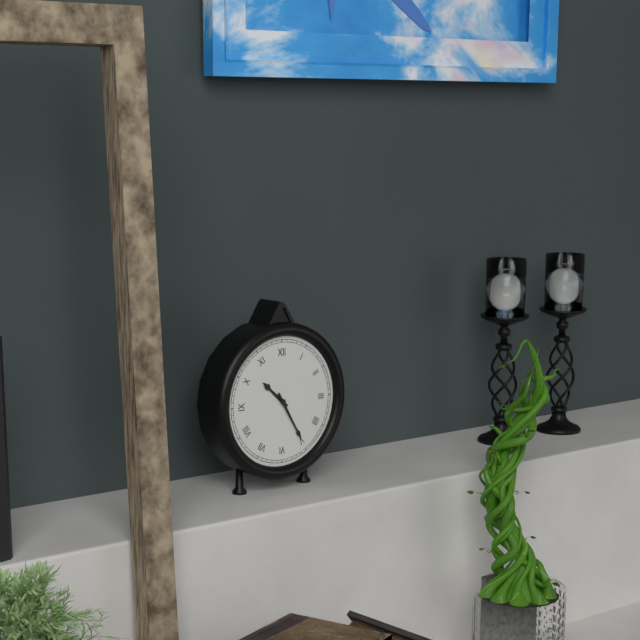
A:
10h25
